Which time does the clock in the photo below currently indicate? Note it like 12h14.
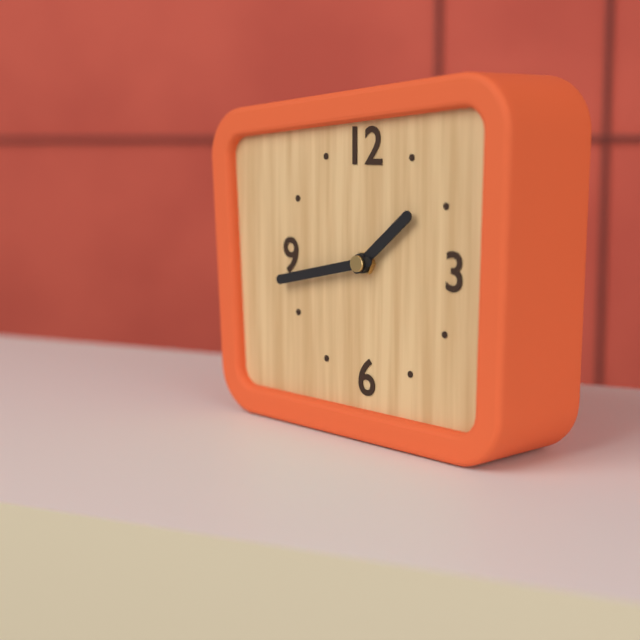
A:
1h43
